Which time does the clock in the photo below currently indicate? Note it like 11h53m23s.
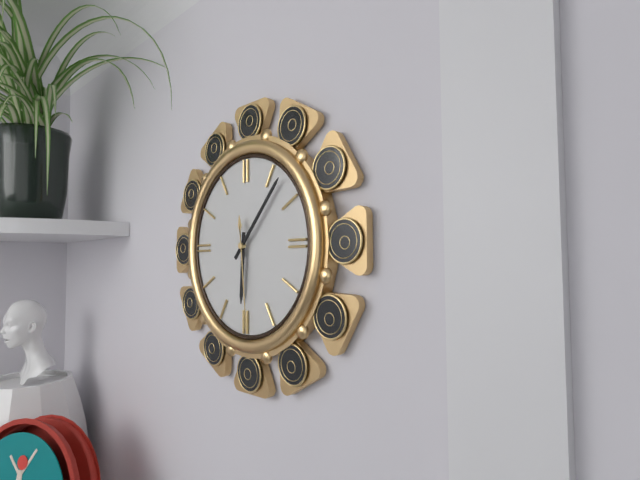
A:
6h07m29s
